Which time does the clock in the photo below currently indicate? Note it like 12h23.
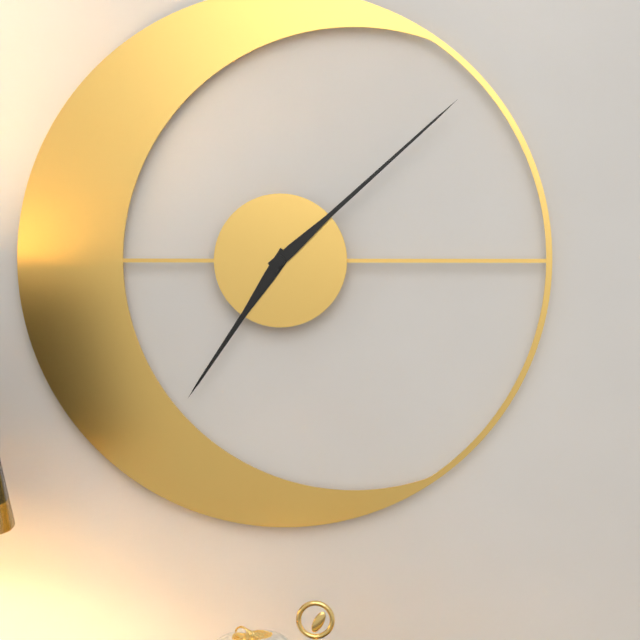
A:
7h08
